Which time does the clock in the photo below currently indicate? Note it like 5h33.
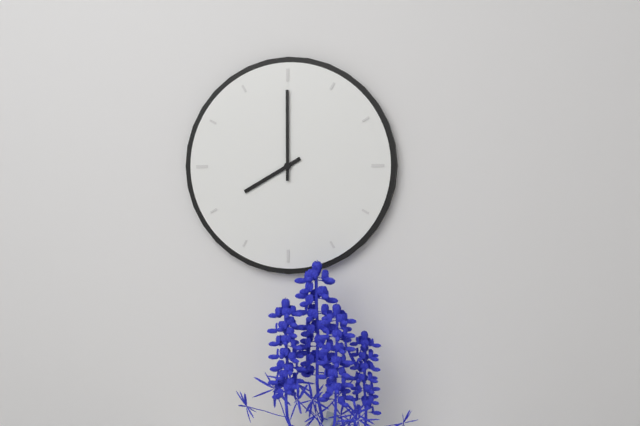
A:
8h00
